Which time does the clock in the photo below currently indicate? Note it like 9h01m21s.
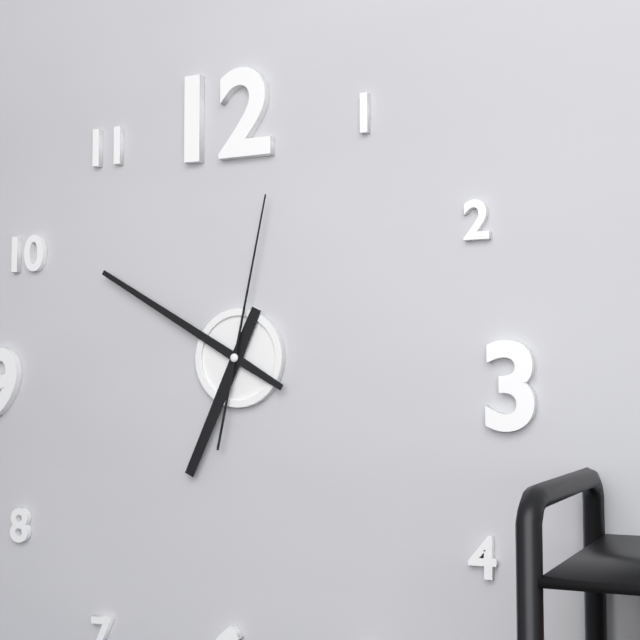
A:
6h50m02s
